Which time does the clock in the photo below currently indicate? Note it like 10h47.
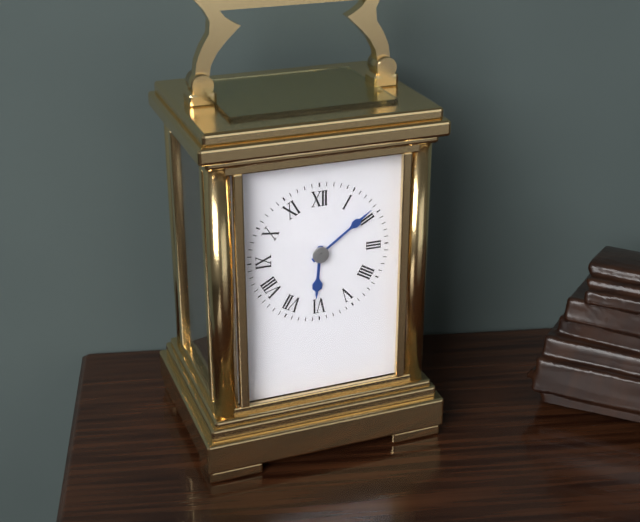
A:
6h09
